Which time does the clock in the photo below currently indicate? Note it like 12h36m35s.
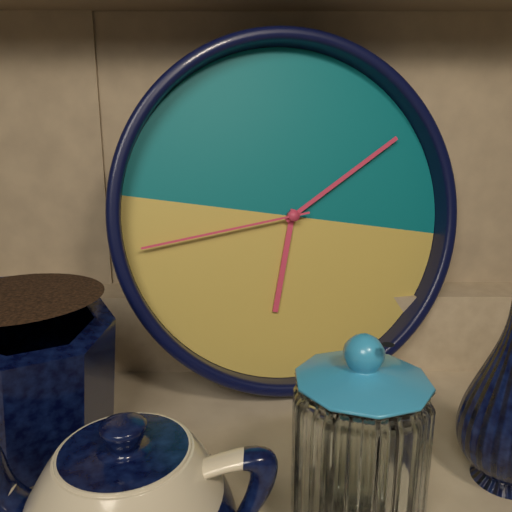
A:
6h08m42s
